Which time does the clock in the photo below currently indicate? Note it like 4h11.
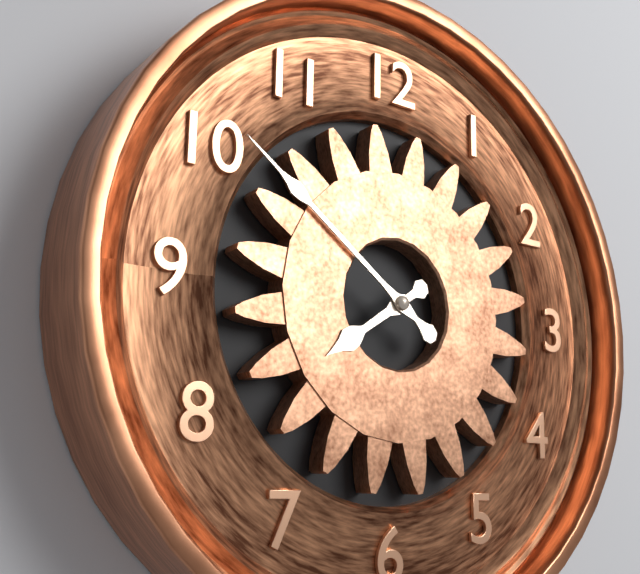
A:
7h51
